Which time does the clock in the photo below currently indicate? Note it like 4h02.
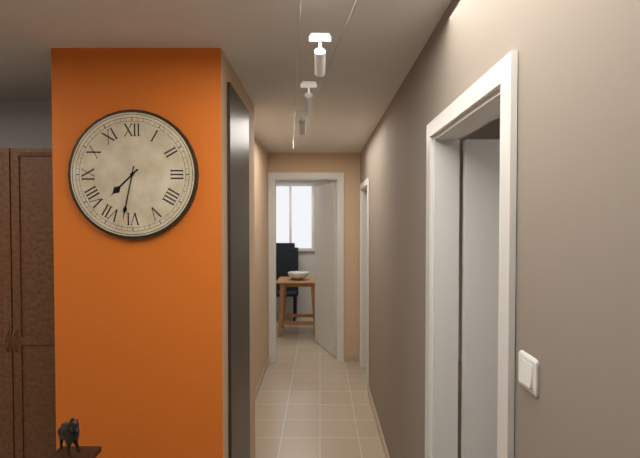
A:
7h32
